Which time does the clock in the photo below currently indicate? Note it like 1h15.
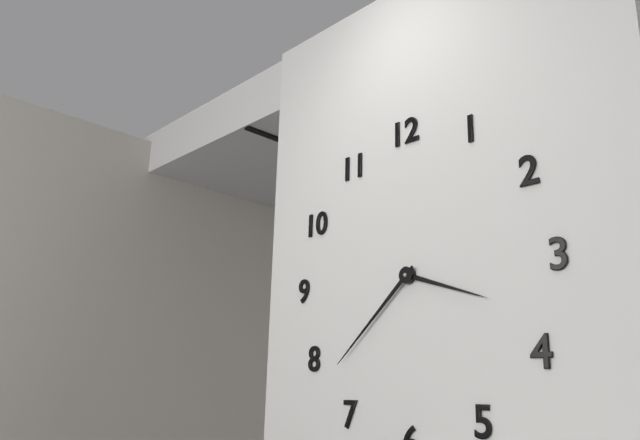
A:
3h38
